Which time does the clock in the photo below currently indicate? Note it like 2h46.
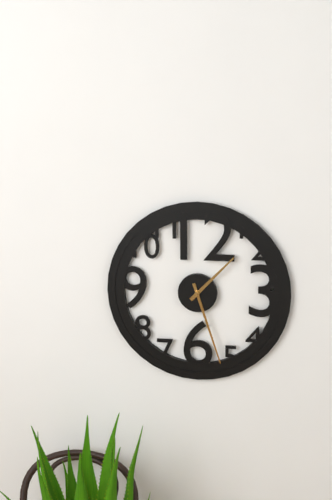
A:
1h27
